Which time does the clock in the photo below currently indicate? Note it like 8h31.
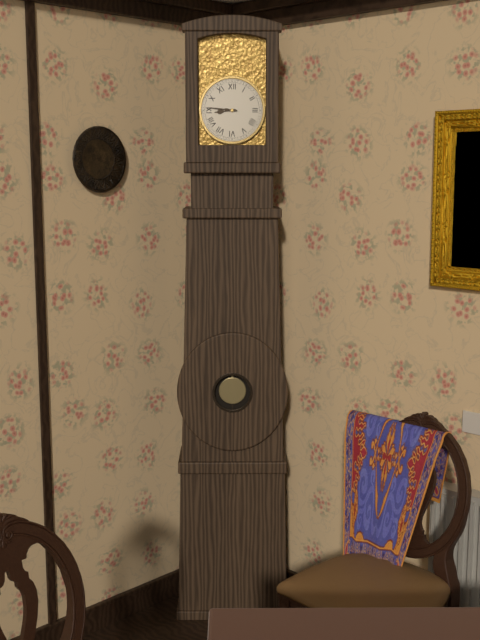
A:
8h46
